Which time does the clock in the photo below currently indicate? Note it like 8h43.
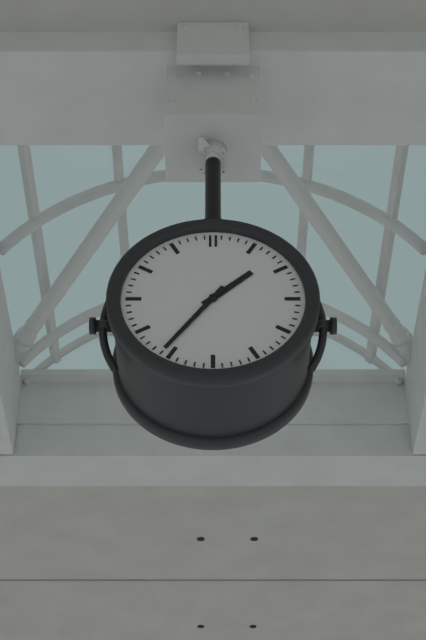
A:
1h36
